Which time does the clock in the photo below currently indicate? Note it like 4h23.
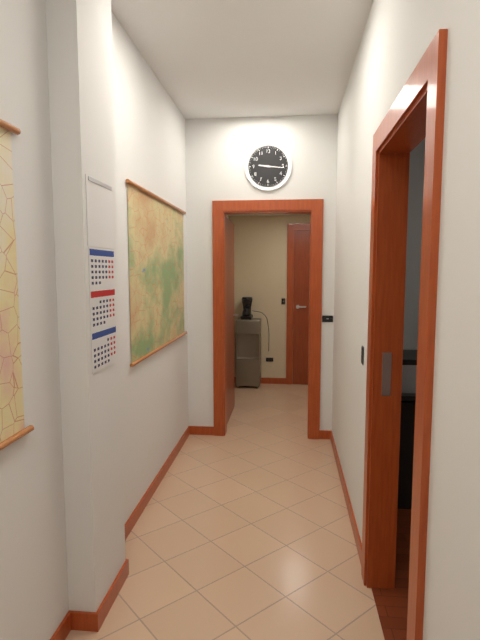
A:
9h16
